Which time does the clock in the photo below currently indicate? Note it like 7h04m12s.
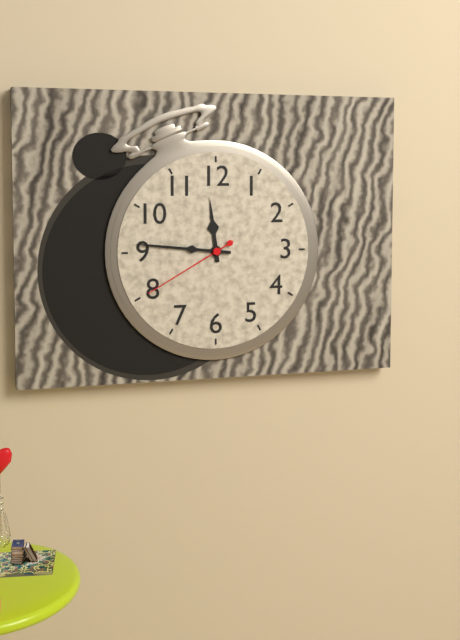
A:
11h46m40s
